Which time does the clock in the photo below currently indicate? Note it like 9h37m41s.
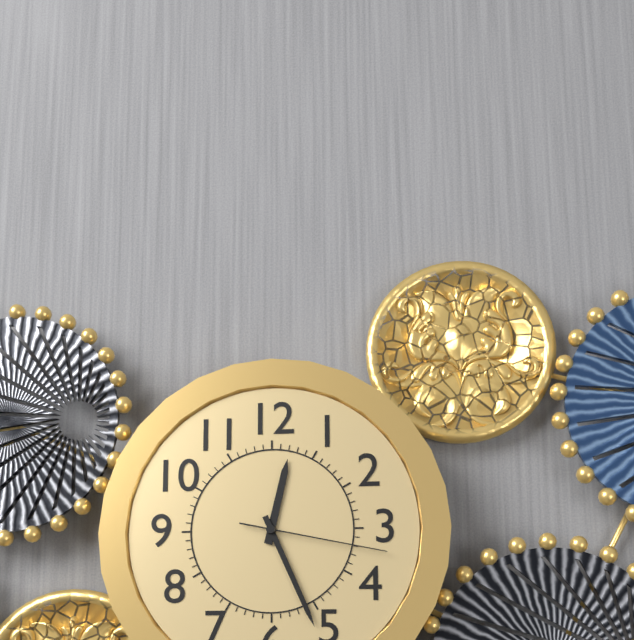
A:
12h26m17s
